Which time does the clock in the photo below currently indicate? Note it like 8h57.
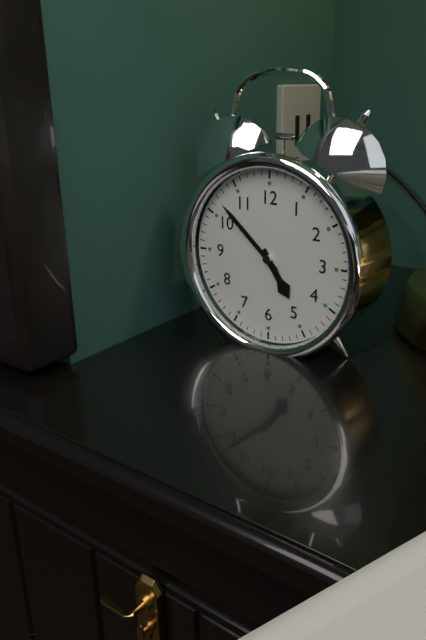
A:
4h52
